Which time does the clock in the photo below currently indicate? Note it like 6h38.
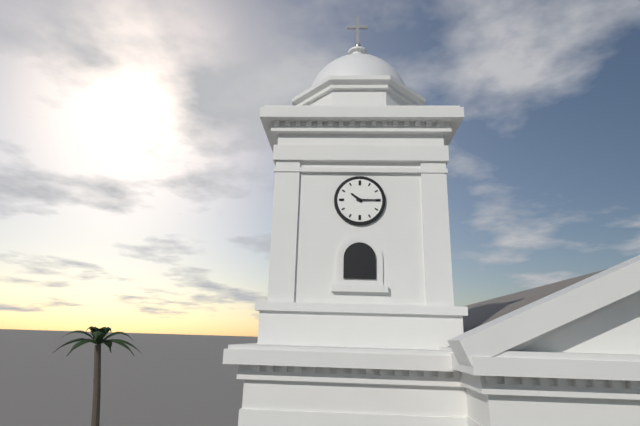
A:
10h15
